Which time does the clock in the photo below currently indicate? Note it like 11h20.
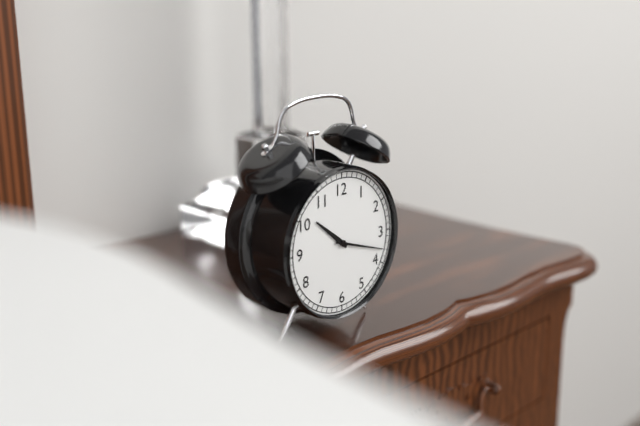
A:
10h18
